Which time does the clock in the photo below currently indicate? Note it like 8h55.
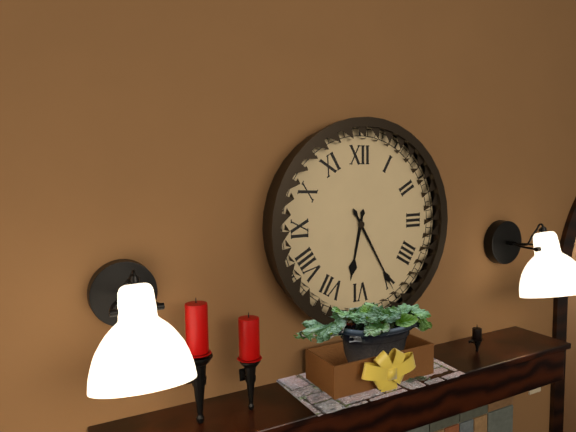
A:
6h25
